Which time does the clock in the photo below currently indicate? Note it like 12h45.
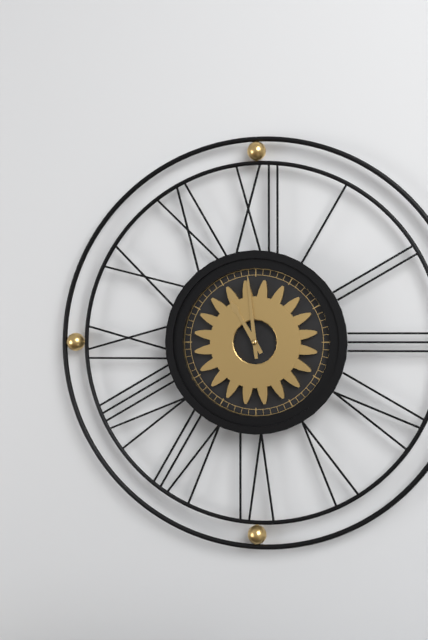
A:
10h59
